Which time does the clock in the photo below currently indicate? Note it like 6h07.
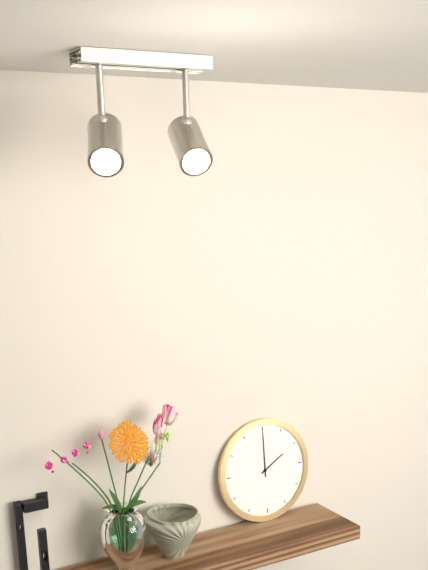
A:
2h00
